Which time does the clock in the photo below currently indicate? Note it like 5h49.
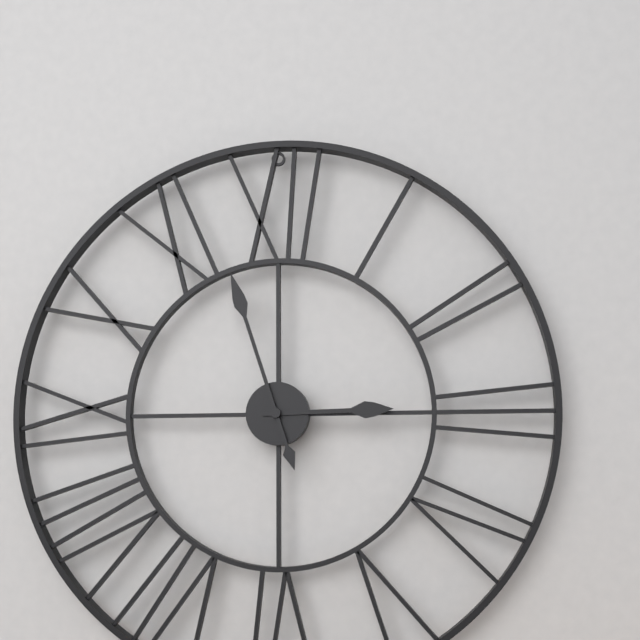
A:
2h57
